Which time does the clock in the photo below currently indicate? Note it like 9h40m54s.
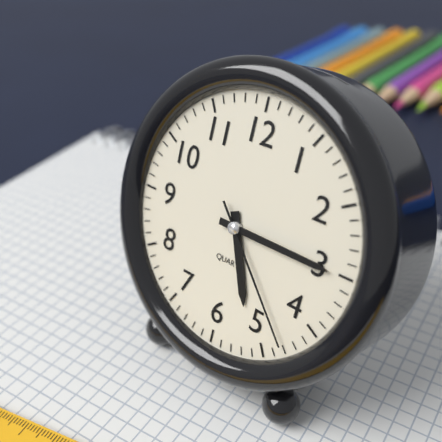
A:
5h15m23s
